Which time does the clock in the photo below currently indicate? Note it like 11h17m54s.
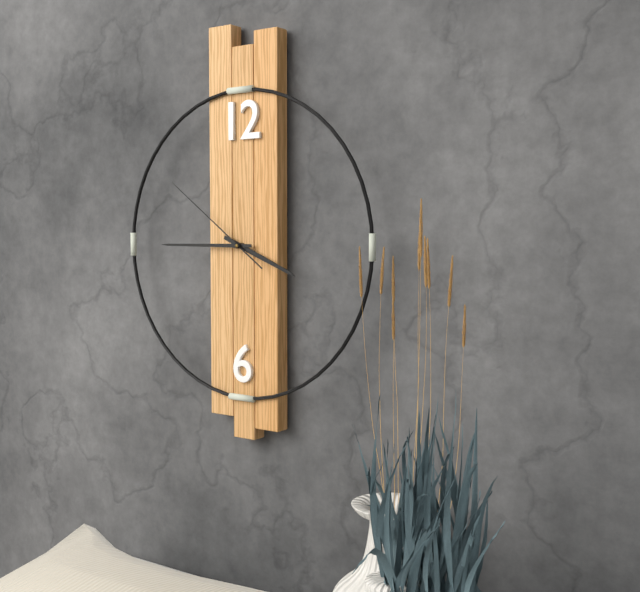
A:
3h45m51s
